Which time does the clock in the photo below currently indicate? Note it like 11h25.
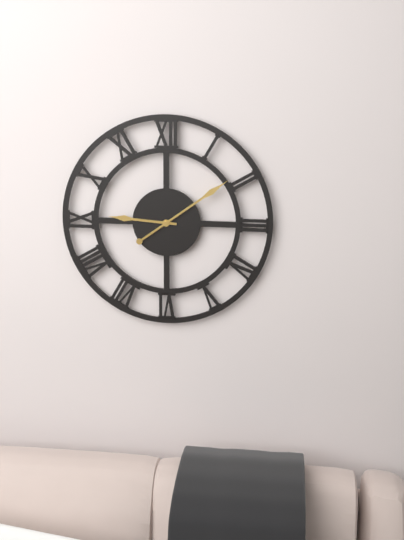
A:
9h09
